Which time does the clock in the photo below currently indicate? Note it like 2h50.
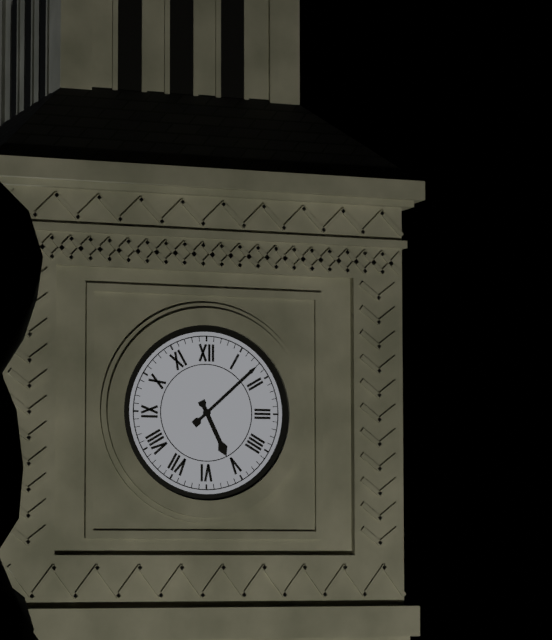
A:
5h08
